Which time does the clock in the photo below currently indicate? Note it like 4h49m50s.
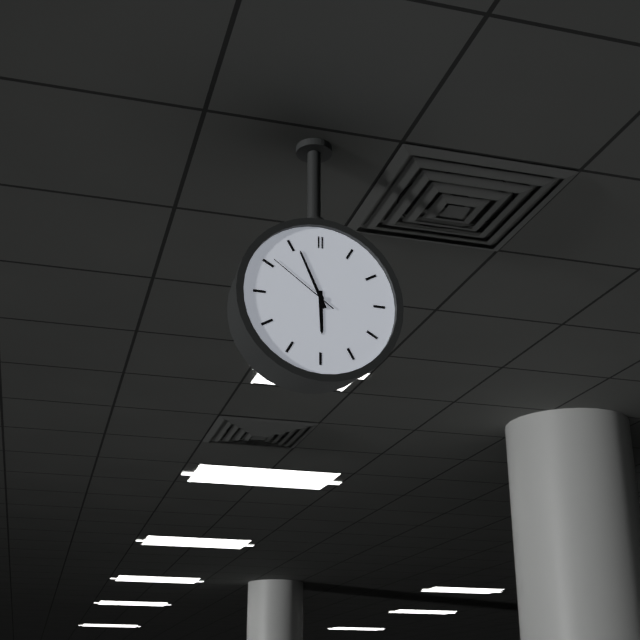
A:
5h56m51s
